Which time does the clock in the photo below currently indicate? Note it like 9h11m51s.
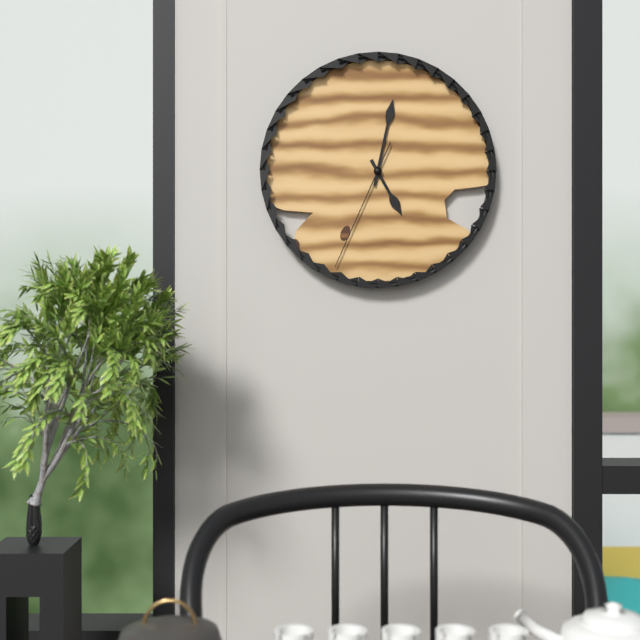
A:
5h02m34s
